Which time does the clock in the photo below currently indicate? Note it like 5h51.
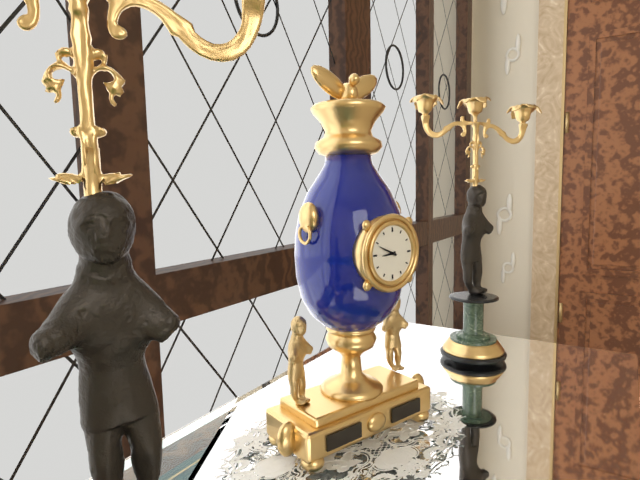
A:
8h49
